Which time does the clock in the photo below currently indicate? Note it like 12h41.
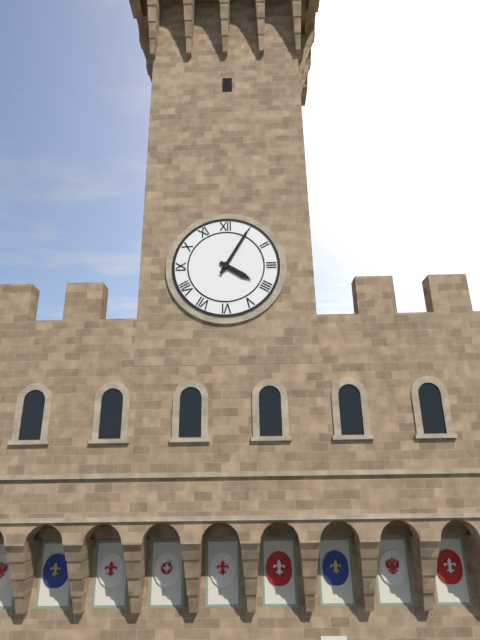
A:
4h05
